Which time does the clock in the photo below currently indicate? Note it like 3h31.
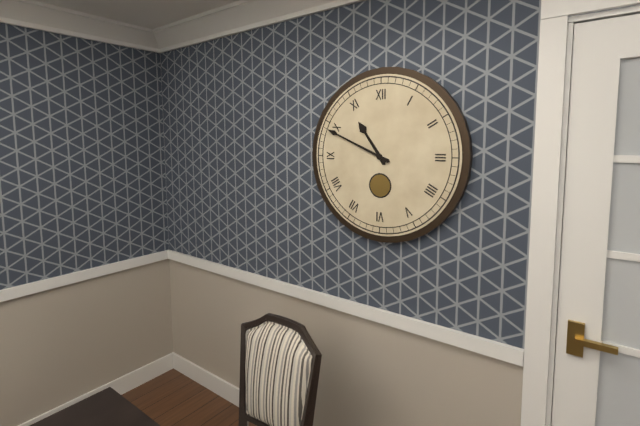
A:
10h49
